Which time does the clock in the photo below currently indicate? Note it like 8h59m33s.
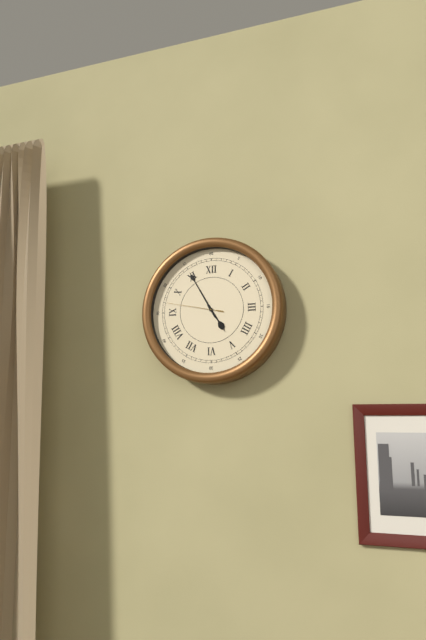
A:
4h55m47s
